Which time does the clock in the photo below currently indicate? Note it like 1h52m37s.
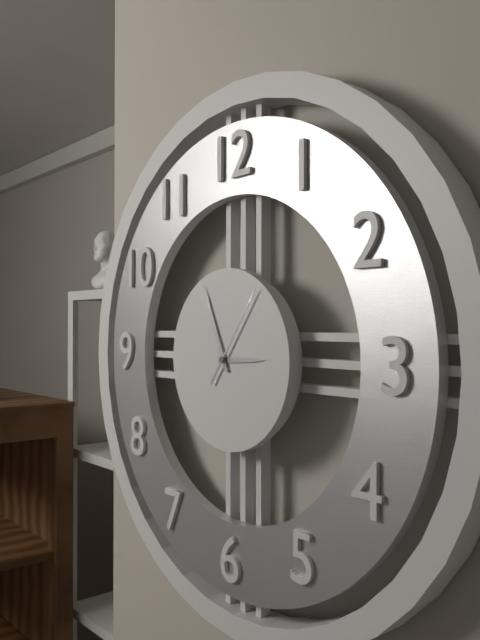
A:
2h56m06s
